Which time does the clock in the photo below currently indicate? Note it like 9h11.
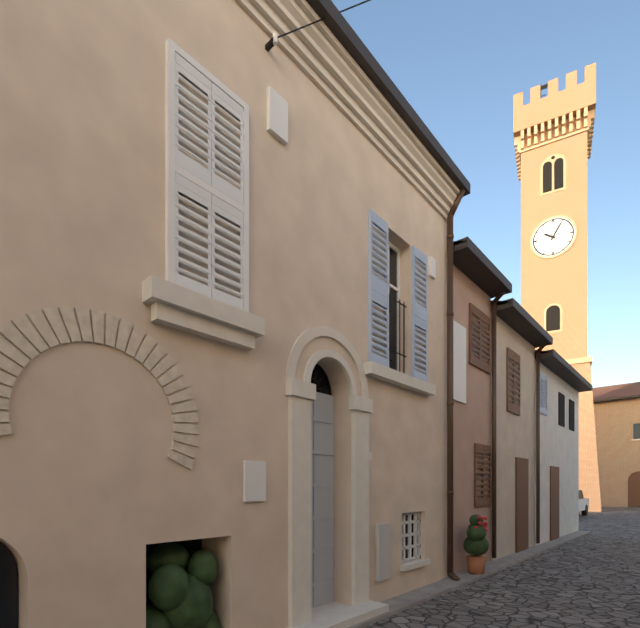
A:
10h05
